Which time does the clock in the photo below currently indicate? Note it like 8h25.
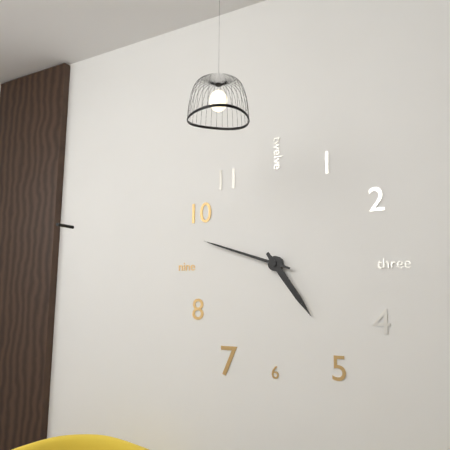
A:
4h48
